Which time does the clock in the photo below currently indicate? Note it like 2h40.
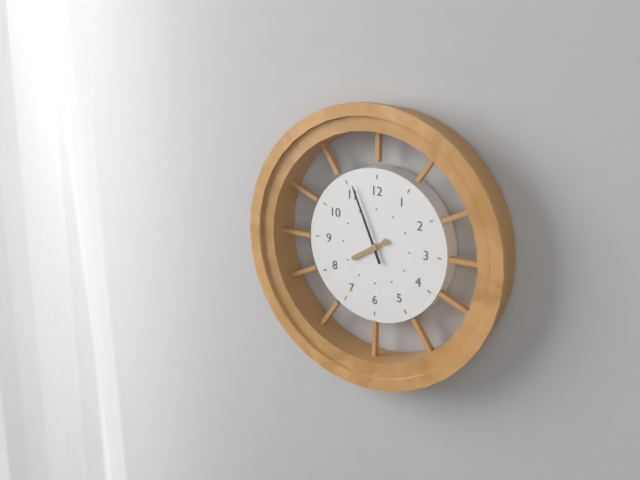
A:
7h56
